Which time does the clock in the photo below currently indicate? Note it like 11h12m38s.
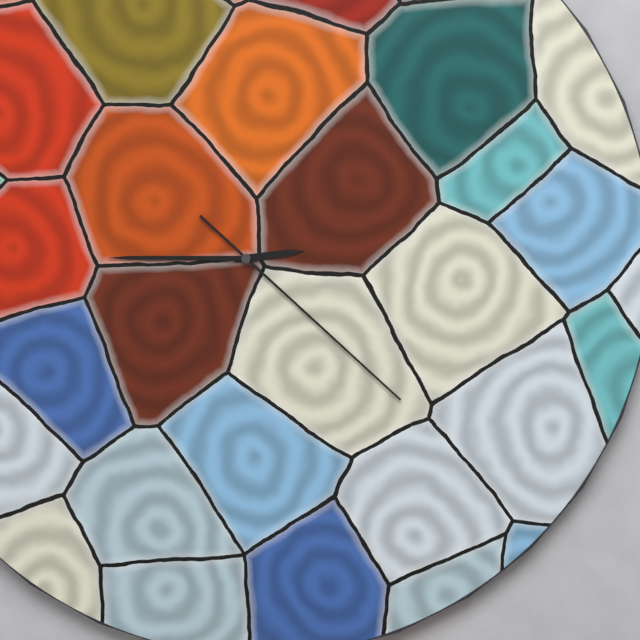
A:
2h45m22s
